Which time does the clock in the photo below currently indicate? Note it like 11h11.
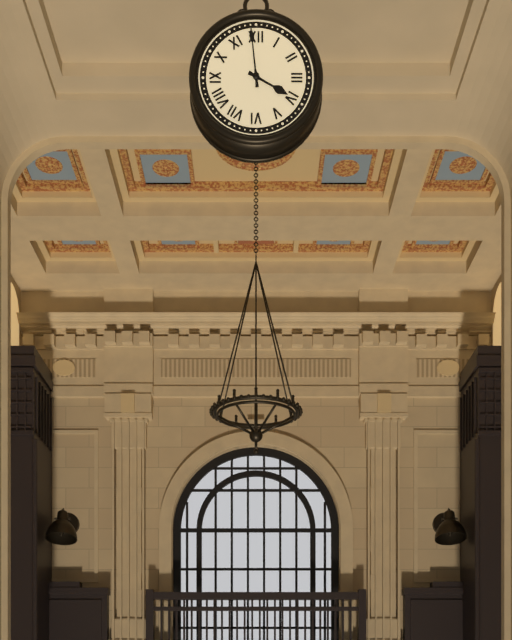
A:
3h59
